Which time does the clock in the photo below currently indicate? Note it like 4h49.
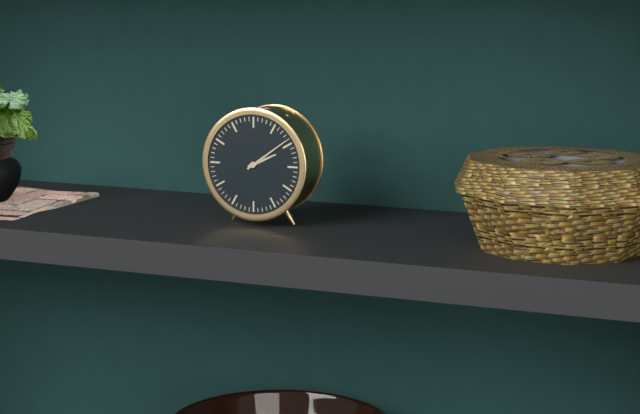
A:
2h09
